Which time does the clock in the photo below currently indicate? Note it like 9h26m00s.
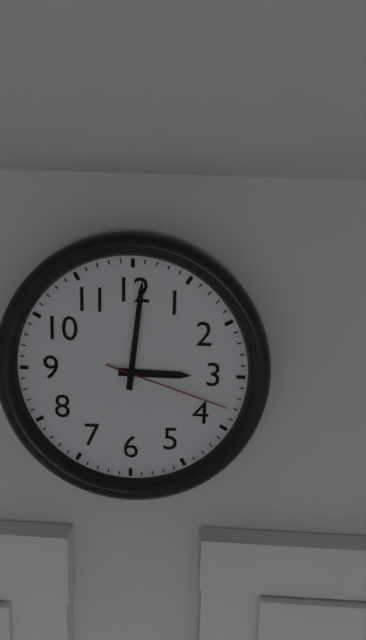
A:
3h01m18s
